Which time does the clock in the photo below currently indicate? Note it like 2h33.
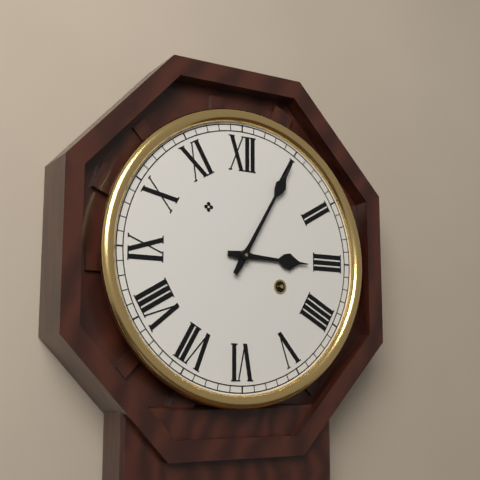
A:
3h05
